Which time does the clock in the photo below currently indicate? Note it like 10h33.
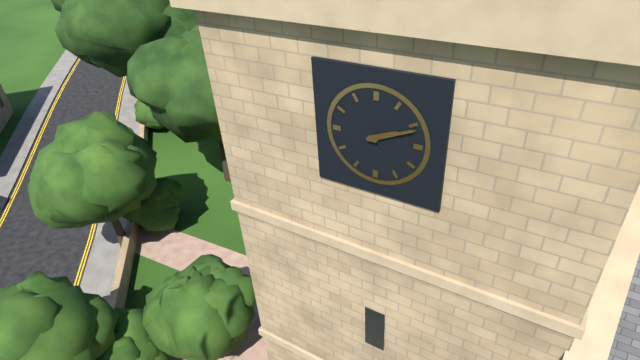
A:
2h11
